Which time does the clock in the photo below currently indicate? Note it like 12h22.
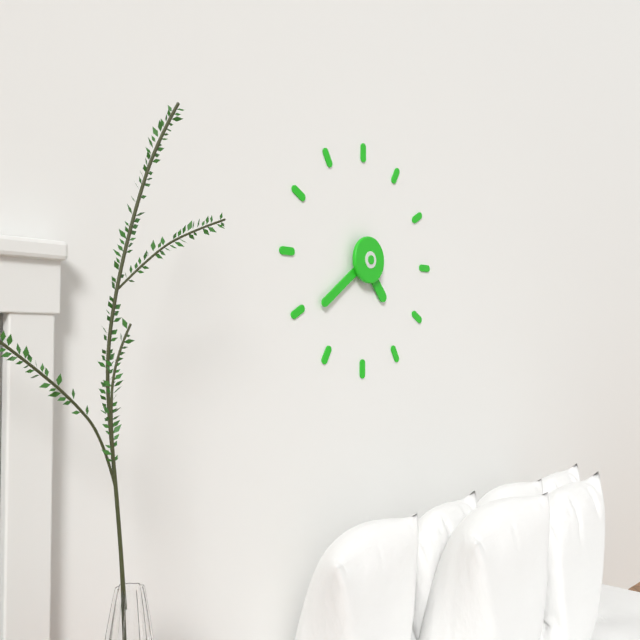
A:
4h39
